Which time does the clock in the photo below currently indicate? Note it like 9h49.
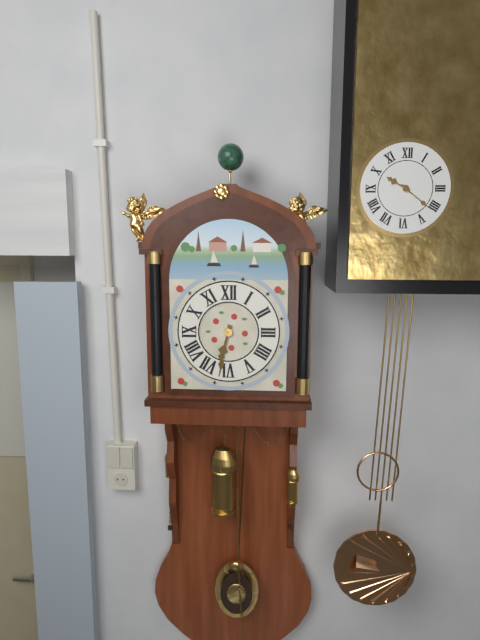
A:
6h32
